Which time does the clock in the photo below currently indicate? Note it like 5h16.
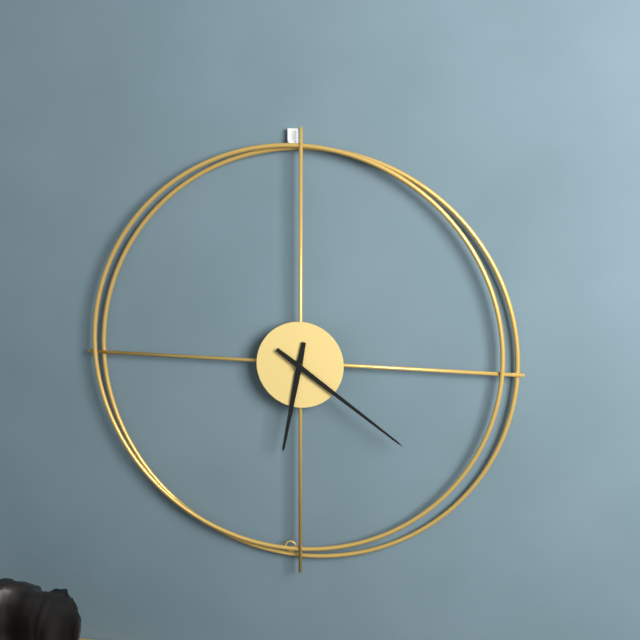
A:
6h21
